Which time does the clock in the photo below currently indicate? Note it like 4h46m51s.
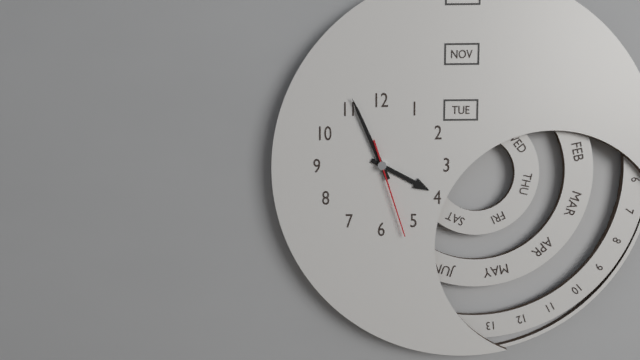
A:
3h56m27s
